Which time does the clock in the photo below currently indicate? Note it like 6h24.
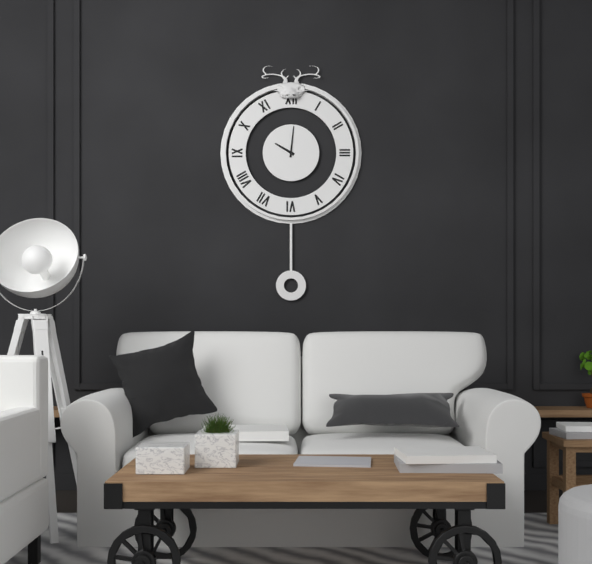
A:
10h01
